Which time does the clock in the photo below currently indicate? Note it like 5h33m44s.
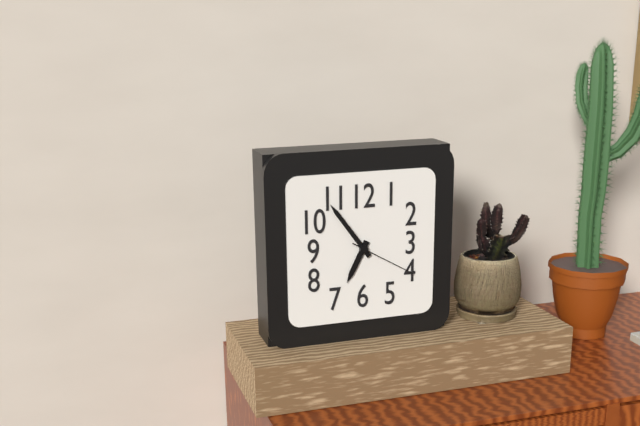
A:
6h54m20s
